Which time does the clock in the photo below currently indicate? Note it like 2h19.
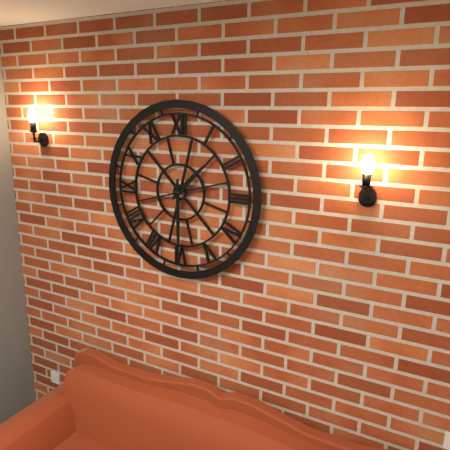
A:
1h30
